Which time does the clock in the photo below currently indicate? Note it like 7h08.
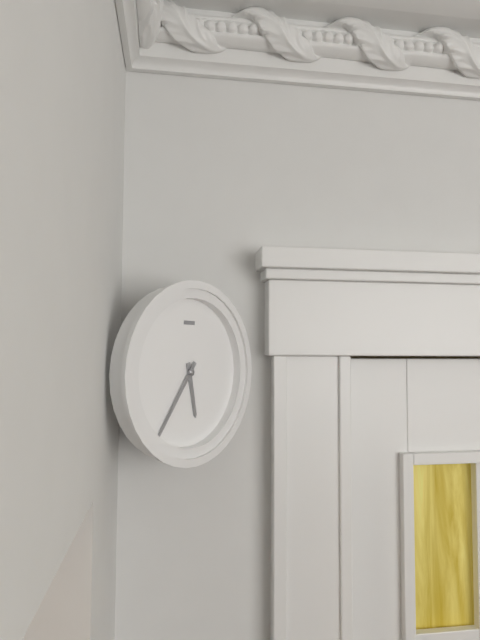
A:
5h36
